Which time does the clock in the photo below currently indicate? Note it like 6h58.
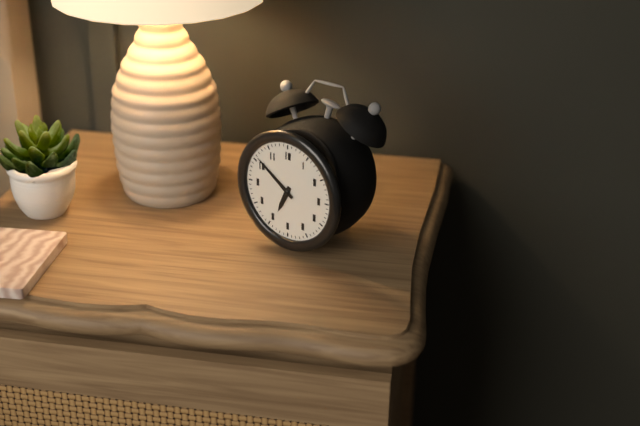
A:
6h51
